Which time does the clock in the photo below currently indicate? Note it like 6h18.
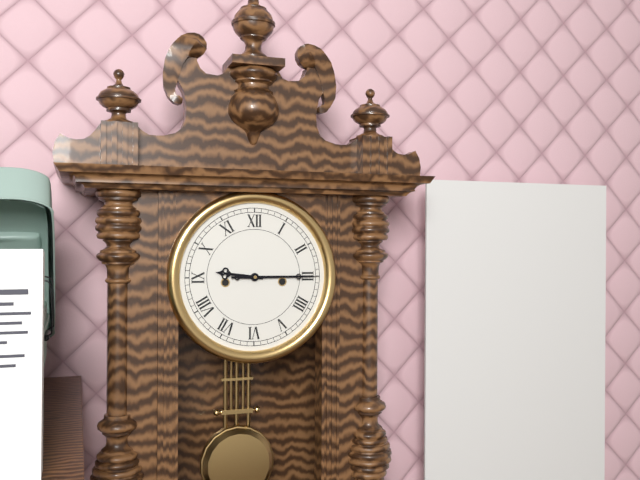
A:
9h15
